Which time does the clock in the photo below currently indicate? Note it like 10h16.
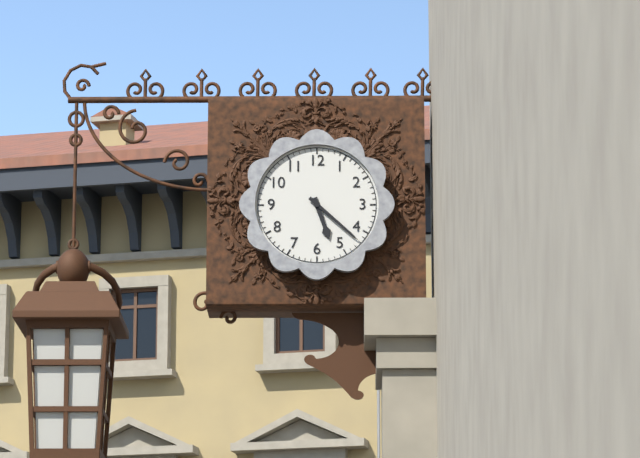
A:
5h22
